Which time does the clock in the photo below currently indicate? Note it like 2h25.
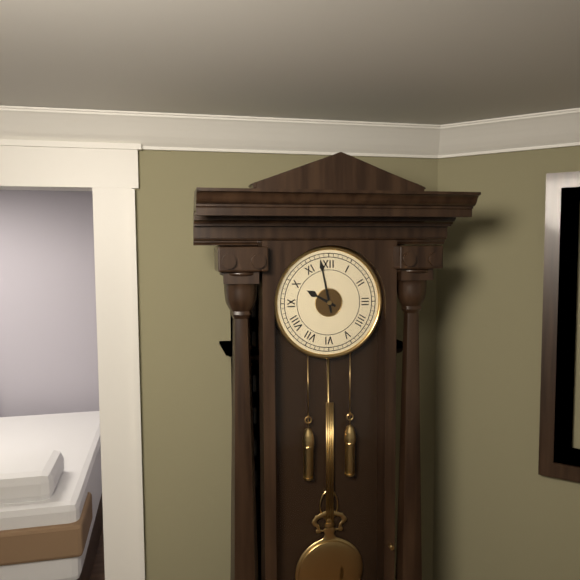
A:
9h58
